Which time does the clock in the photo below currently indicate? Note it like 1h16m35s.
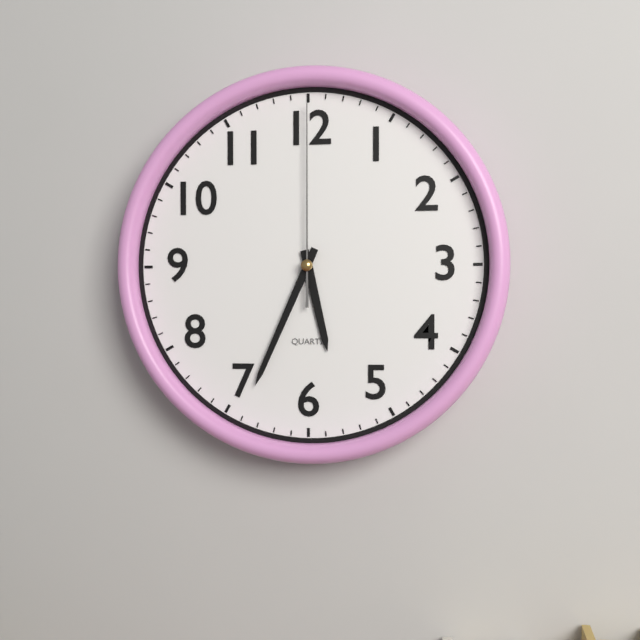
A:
5h34m00s
